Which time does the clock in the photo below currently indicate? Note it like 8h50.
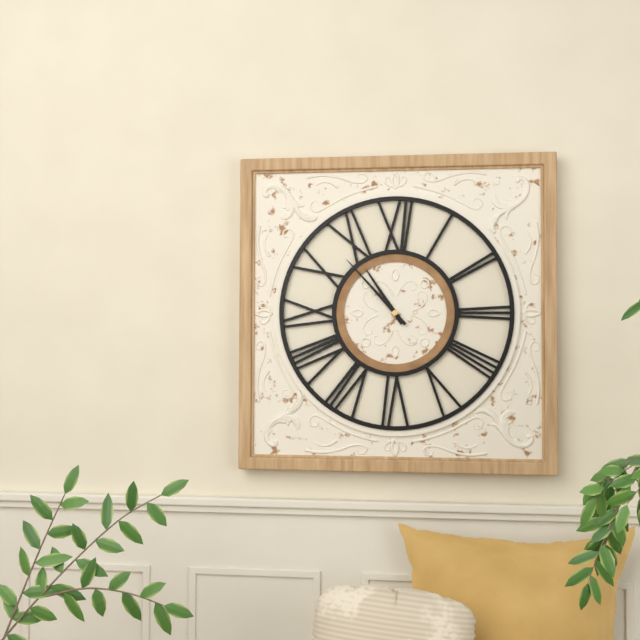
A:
10h53
